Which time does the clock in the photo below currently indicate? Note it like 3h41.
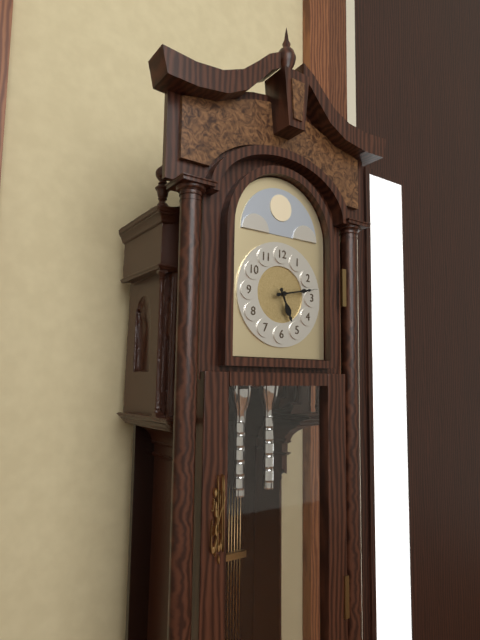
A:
5h13
